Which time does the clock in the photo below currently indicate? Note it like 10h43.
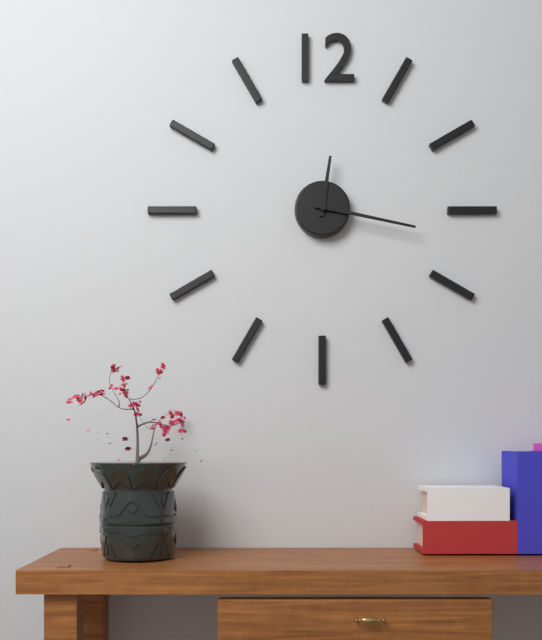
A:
12h17
